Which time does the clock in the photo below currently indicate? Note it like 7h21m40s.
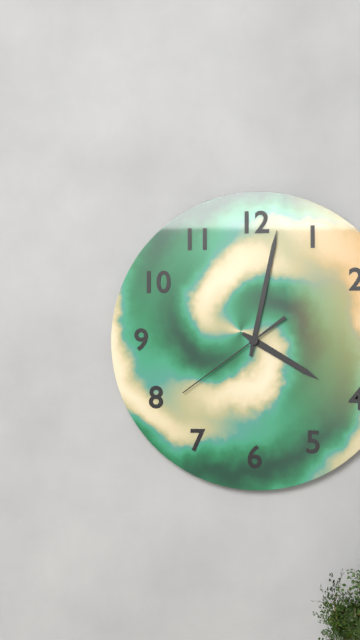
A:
4h02m39s
